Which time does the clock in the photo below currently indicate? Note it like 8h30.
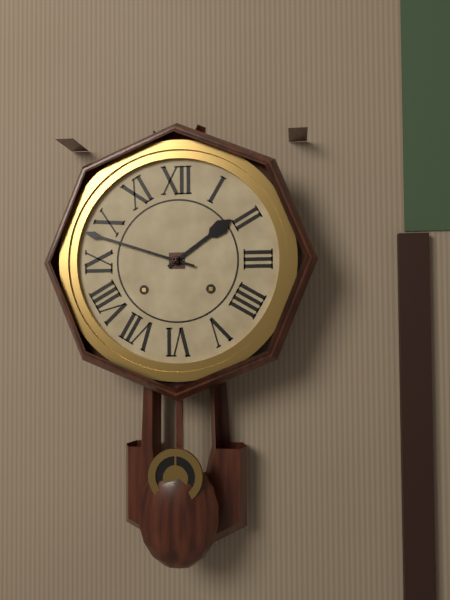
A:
1h48
